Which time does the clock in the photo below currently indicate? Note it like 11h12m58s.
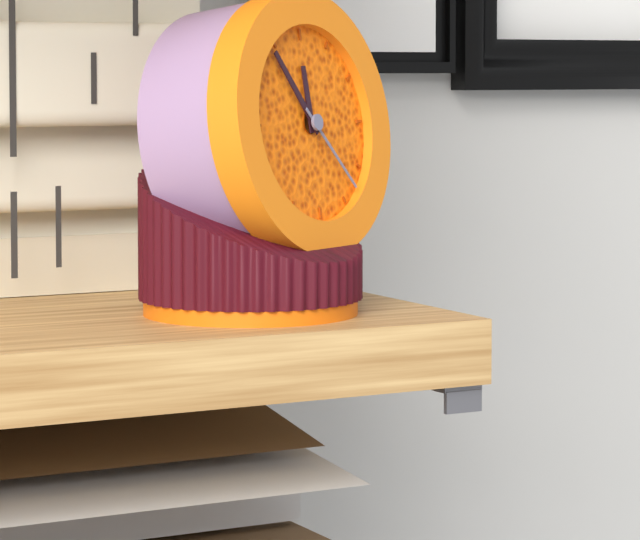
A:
11h54m23s
